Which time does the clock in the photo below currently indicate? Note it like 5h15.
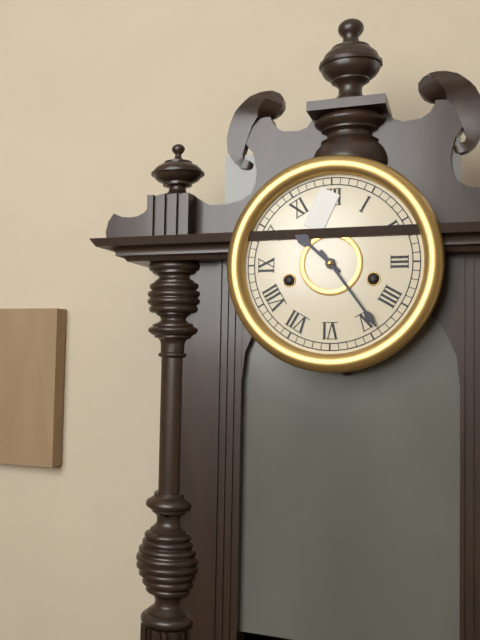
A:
10h24
